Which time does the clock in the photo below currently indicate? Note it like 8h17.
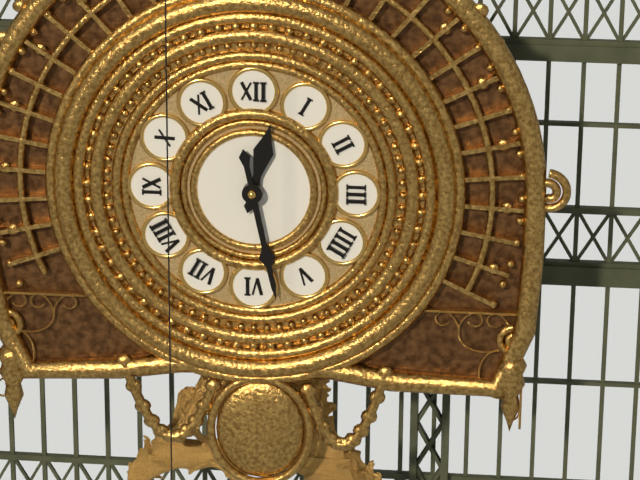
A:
12h28
